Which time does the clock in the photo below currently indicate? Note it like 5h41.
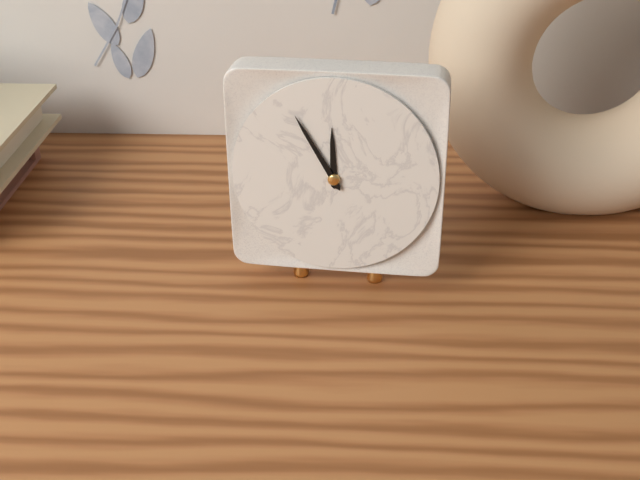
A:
11h55
